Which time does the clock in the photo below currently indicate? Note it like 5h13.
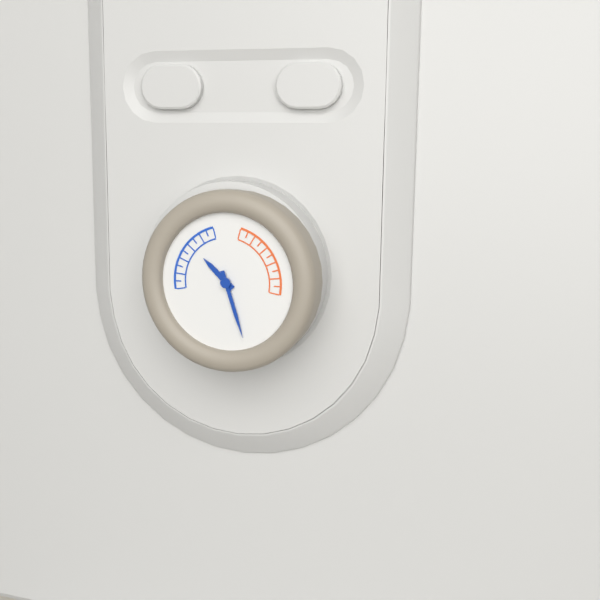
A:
10h27
